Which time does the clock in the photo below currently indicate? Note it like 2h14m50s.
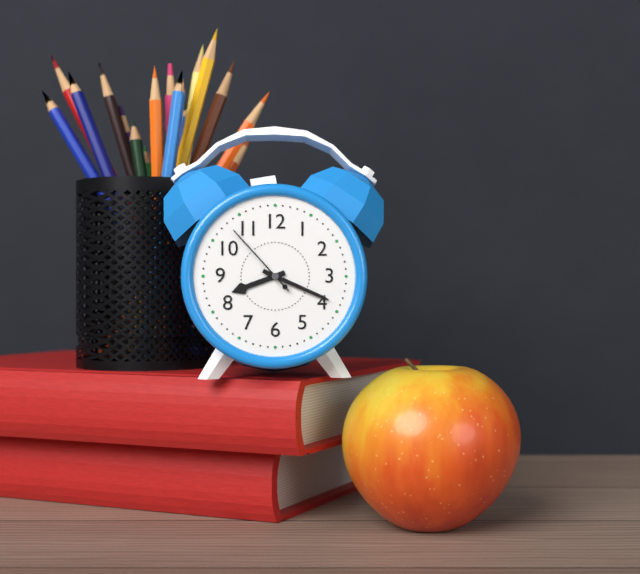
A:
8h19m53s
